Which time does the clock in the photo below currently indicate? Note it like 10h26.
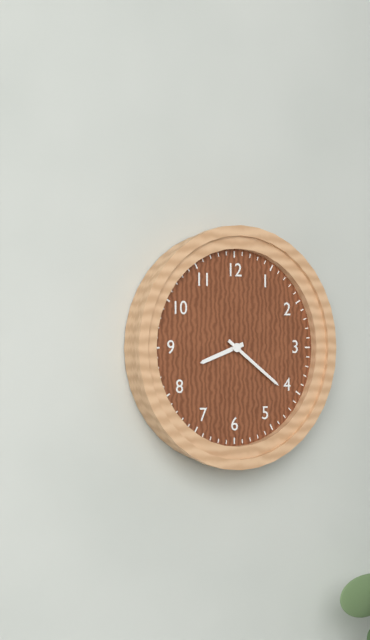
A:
8h21
